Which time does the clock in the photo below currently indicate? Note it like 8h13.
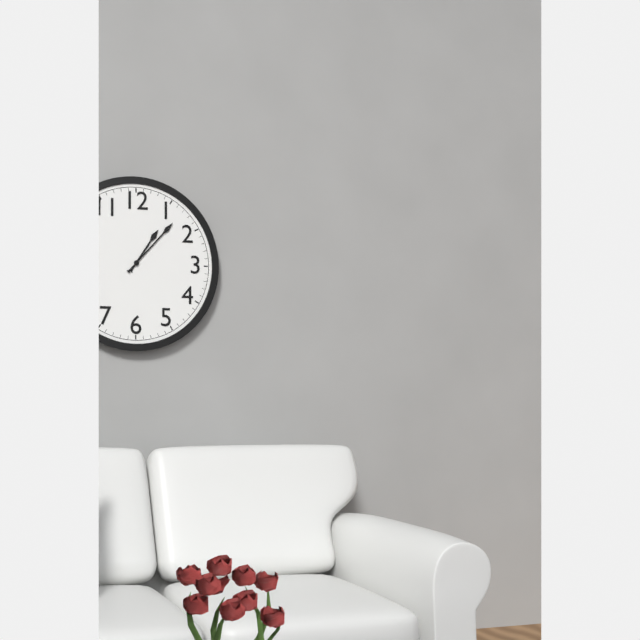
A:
1h07
